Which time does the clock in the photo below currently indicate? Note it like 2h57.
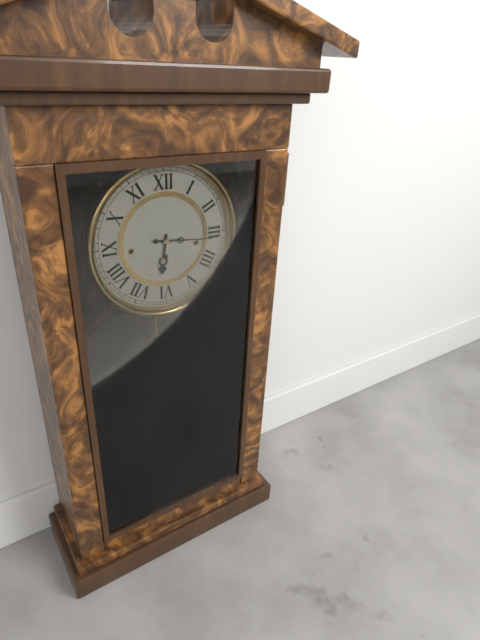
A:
6h16
